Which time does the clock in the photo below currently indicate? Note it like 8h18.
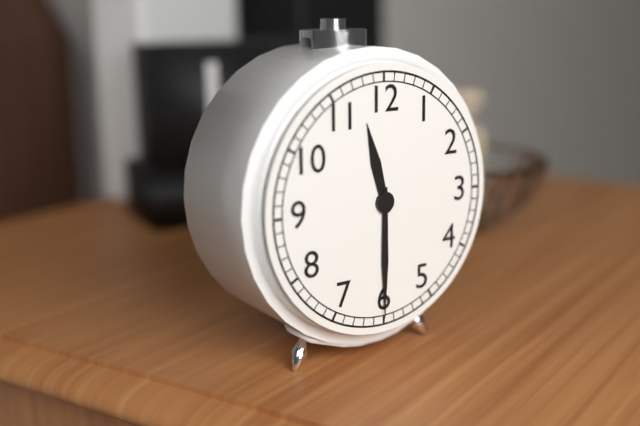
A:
11h30
